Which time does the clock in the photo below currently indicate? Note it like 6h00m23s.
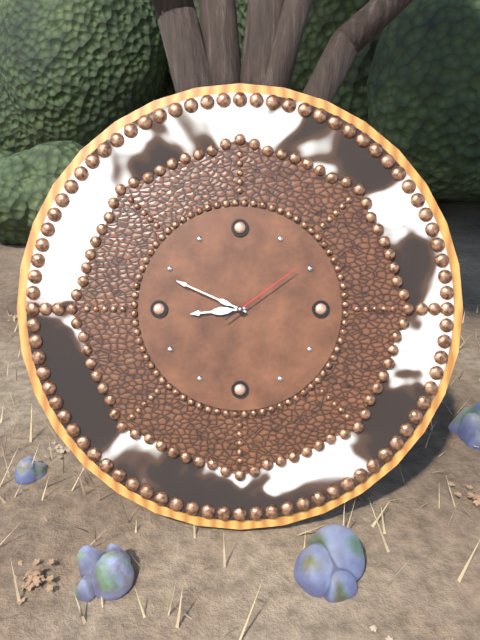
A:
8h49m09s
